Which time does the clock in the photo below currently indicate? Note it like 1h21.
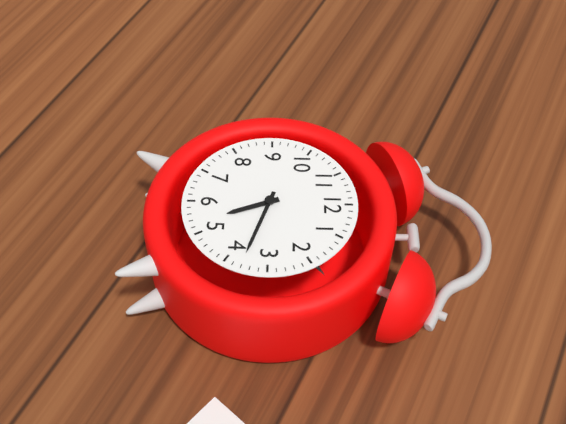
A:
5h18
